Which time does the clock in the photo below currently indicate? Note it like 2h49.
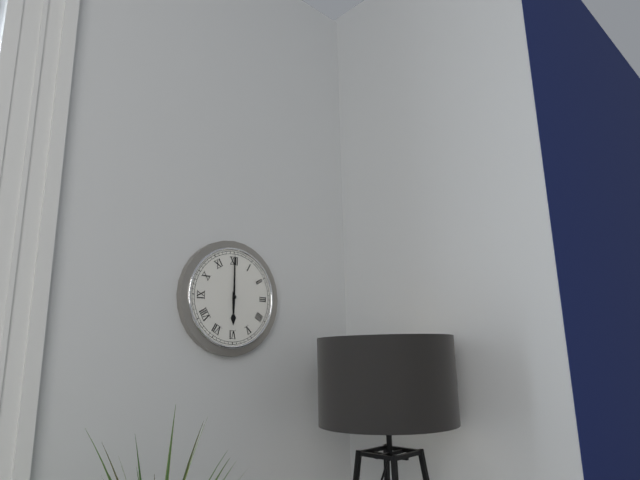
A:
6h00
